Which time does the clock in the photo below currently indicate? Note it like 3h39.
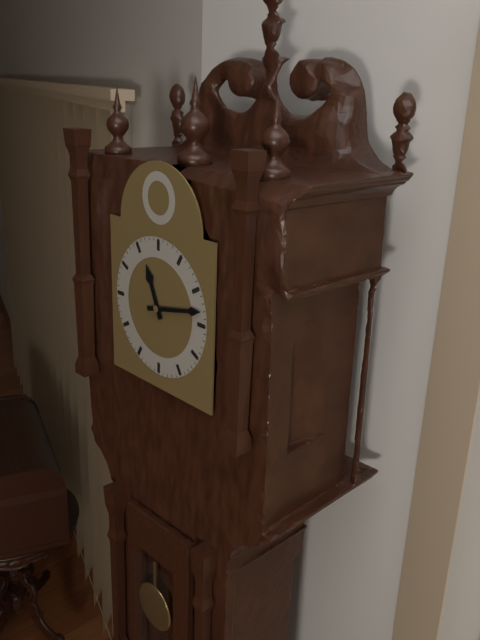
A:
11h13
